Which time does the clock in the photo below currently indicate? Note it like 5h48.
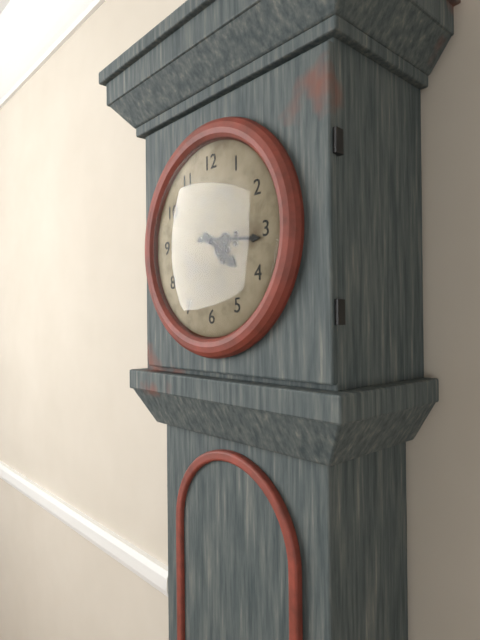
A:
4h16
